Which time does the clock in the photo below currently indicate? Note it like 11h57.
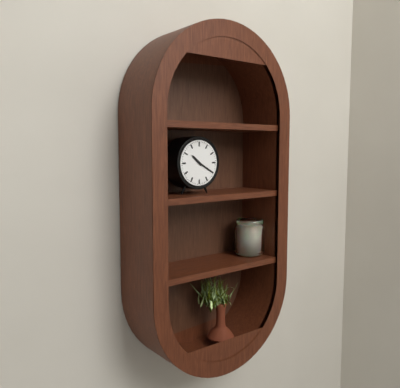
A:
10h20
